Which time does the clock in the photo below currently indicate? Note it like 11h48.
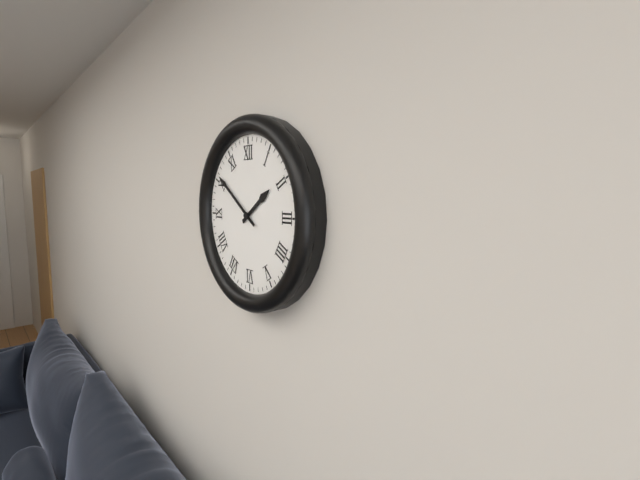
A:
1h51
